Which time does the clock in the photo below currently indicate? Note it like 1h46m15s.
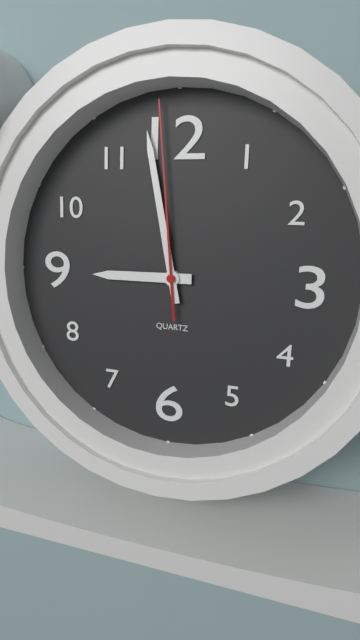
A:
8h58m59s
